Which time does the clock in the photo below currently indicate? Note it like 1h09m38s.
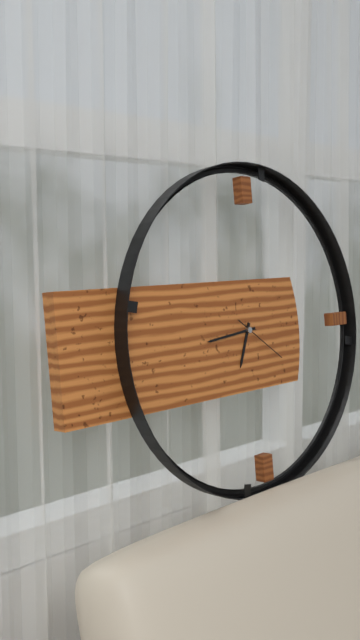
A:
6h44m21s
